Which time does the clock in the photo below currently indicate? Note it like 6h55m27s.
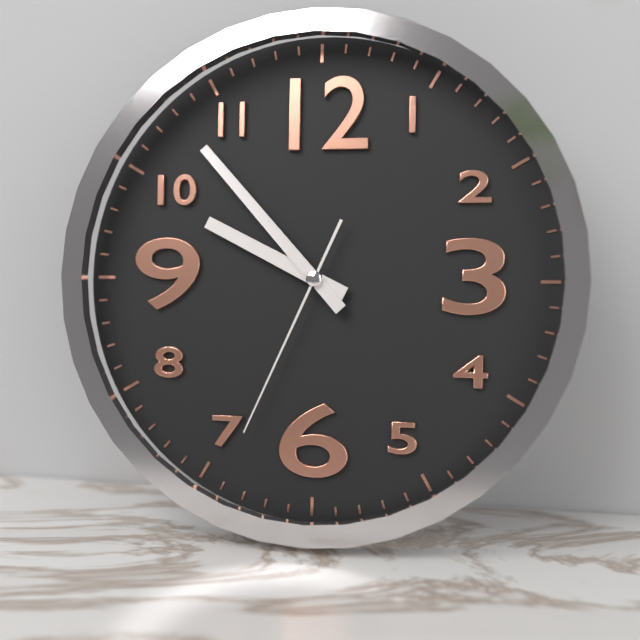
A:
9h53m34s
